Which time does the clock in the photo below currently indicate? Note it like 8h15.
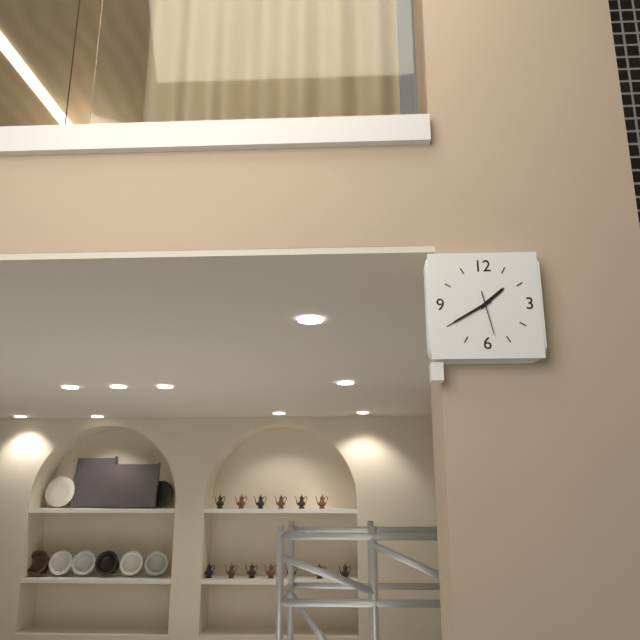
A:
1h40
